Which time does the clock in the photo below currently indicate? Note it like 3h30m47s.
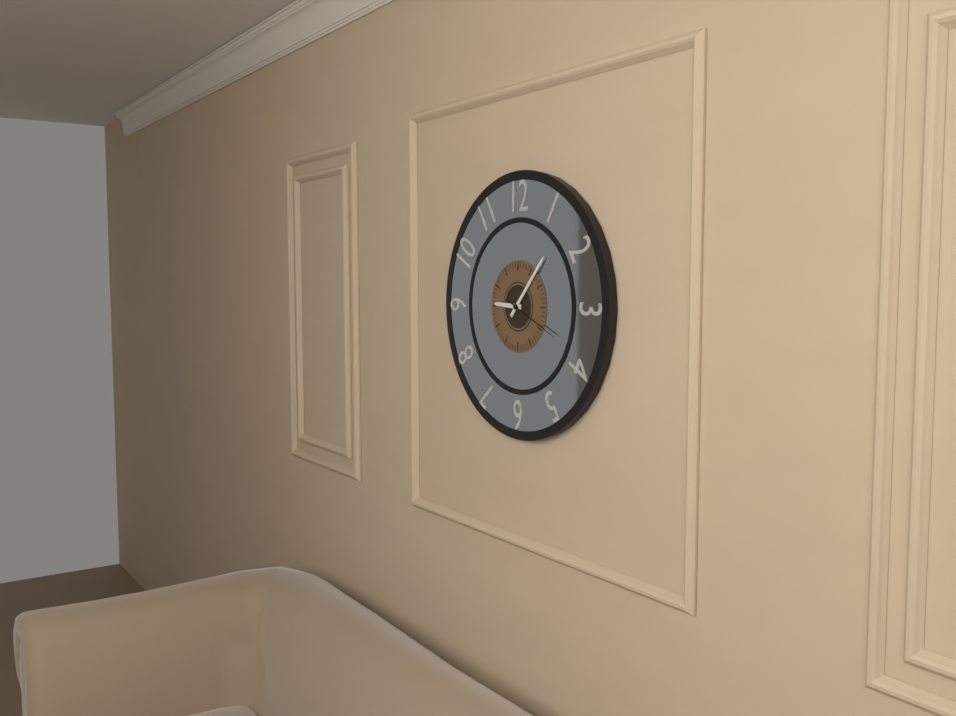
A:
9h07m19s
